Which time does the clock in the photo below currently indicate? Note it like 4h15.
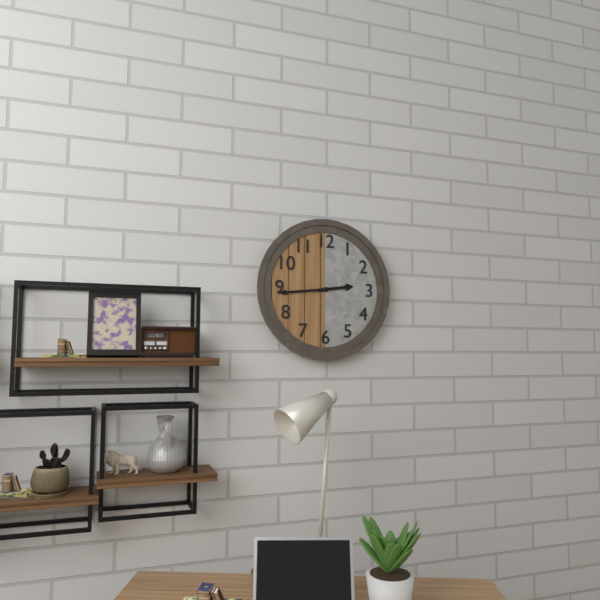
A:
2h44
